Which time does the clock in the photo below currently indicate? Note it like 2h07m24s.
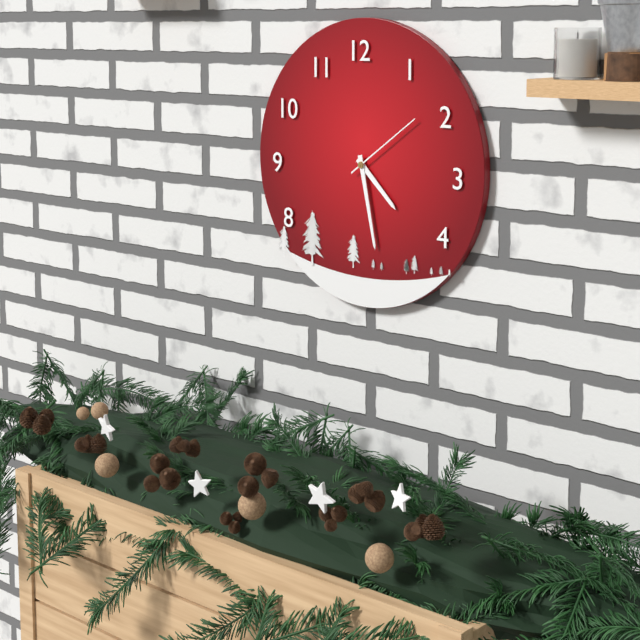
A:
4h28m09s
